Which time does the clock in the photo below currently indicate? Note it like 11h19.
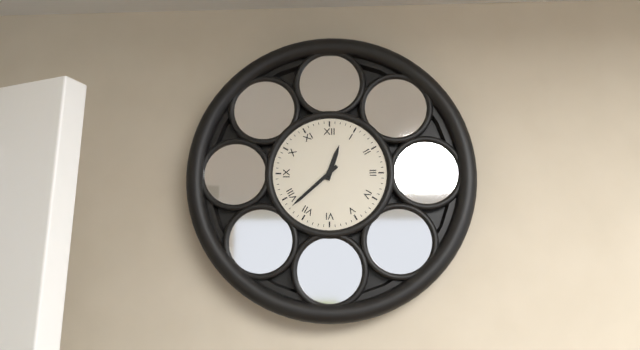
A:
12h38
